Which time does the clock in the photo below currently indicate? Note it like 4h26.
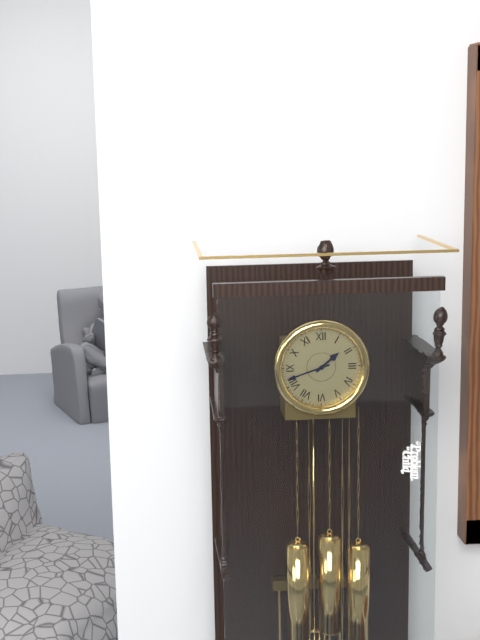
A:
1h42
